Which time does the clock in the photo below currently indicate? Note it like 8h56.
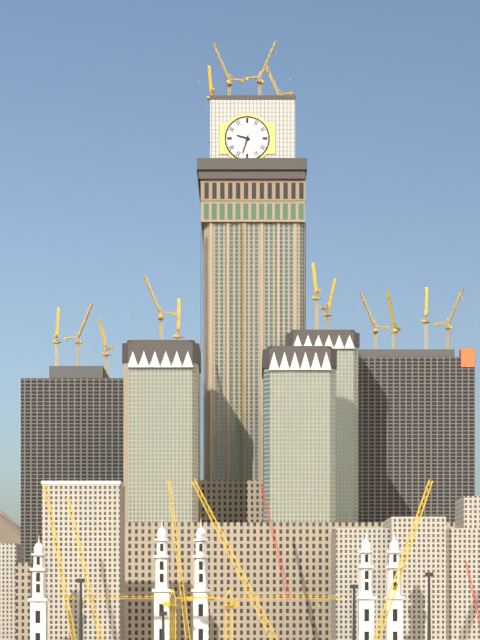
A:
9h33
